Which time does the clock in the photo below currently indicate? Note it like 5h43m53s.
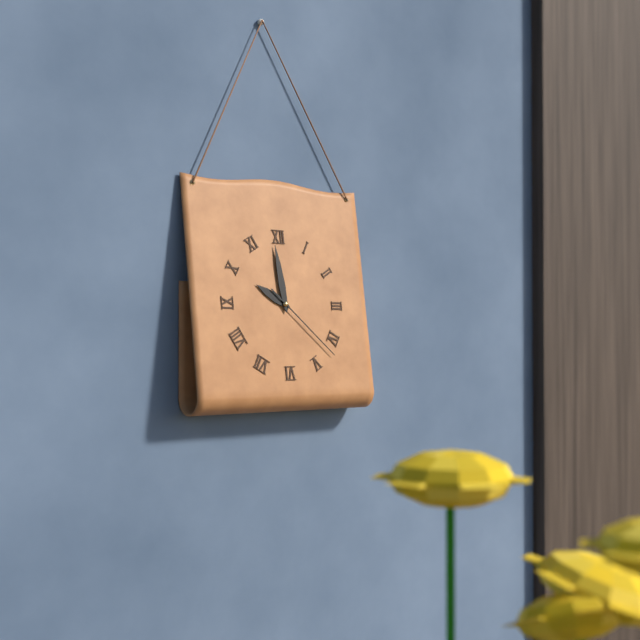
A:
9h59m22s
